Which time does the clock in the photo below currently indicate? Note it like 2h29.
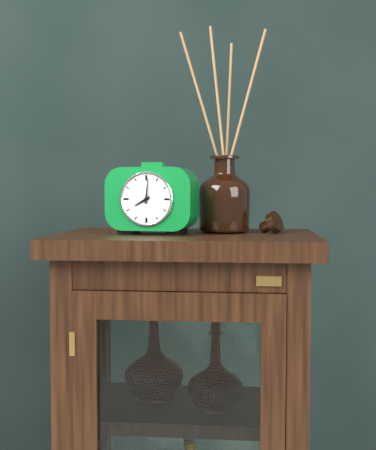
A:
8h01
